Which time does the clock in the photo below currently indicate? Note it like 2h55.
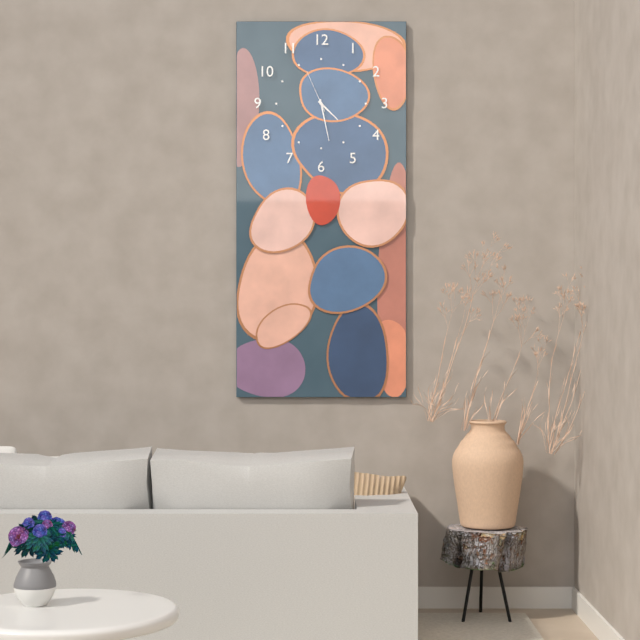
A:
4h28
